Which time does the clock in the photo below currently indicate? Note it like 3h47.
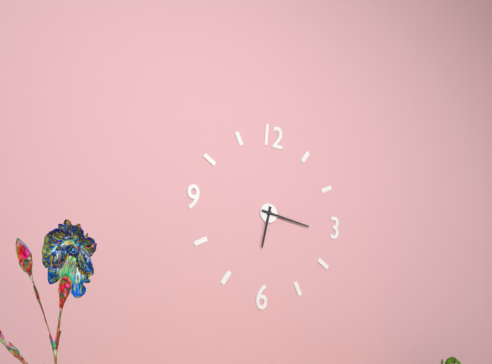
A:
6h16
